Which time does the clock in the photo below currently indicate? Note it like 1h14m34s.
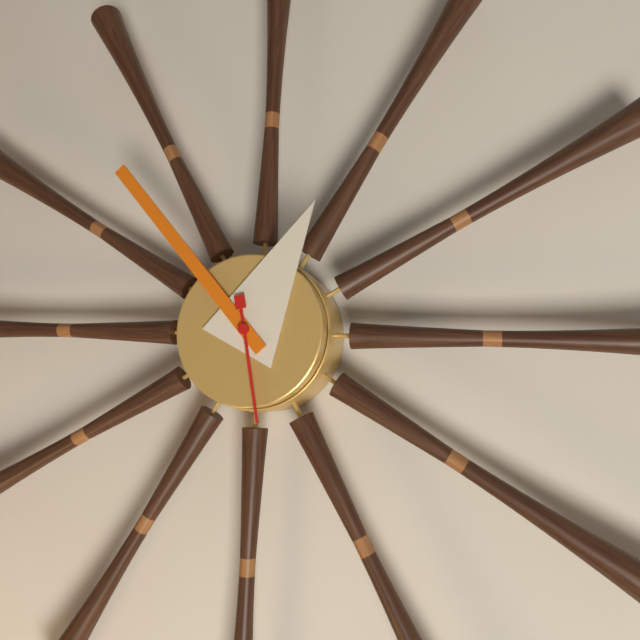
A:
12h53m28s
